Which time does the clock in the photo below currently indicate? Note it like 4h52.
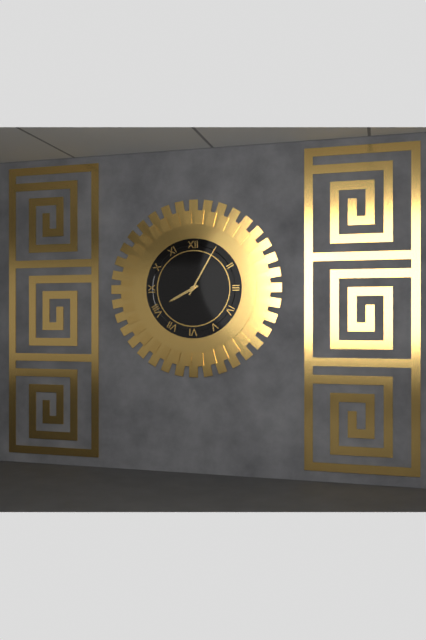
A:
8h05
